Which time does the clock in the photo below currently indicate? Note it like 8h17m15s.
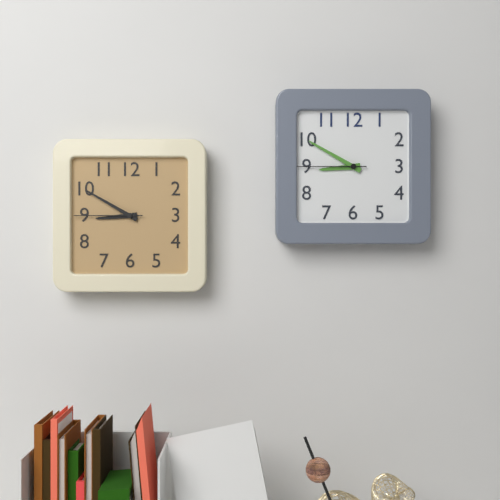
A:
8h50m45s
